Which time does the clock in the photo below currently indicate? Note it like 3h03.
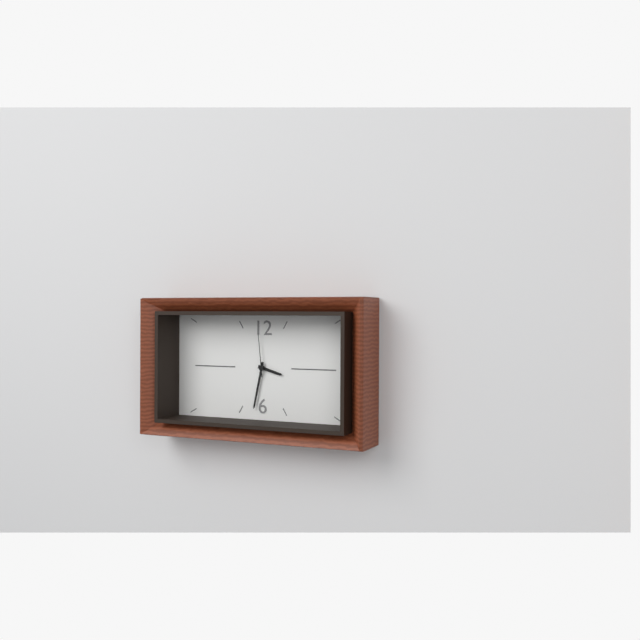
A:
3h32
